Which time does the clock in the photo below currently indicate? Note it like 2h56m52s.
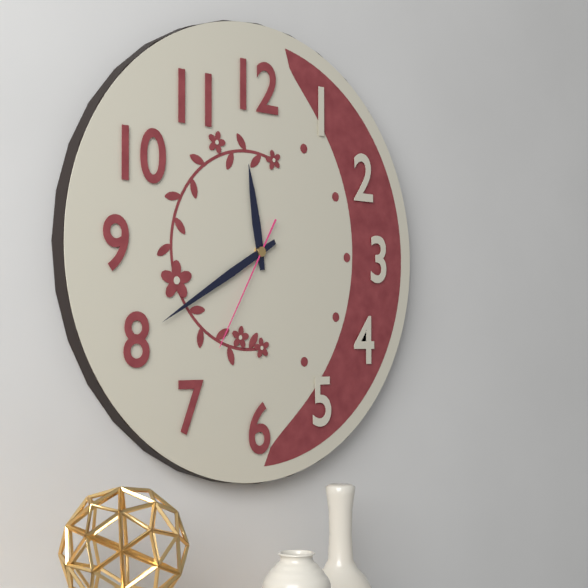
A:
11h40m35s
